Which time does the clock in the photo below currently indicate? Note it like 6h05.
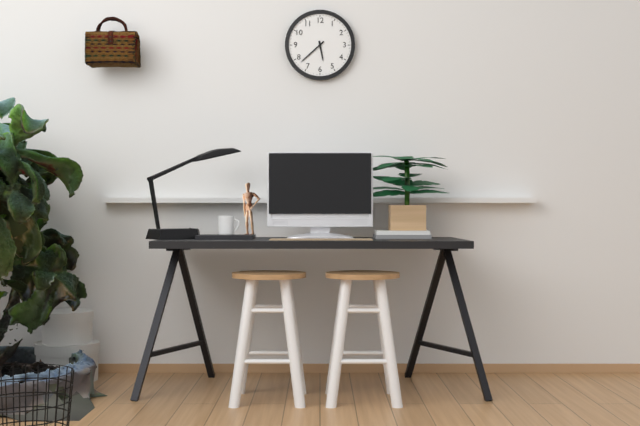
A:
5h38
